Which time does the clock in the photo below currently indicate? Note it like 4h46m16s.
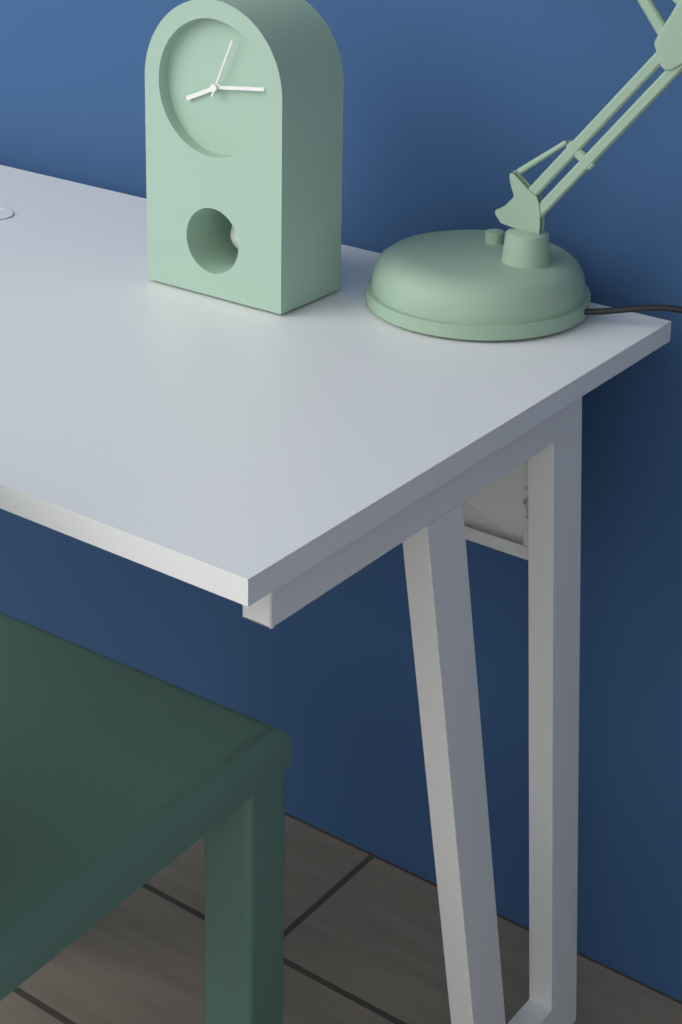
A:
8h14m04s
